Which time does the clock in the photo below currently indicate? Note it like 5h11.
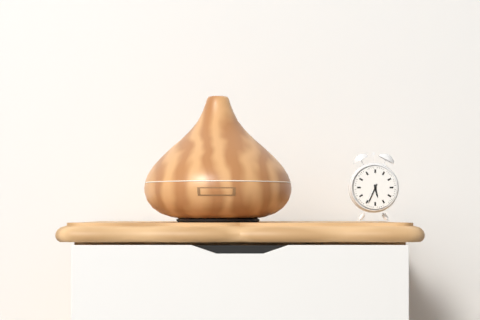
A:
5h34
